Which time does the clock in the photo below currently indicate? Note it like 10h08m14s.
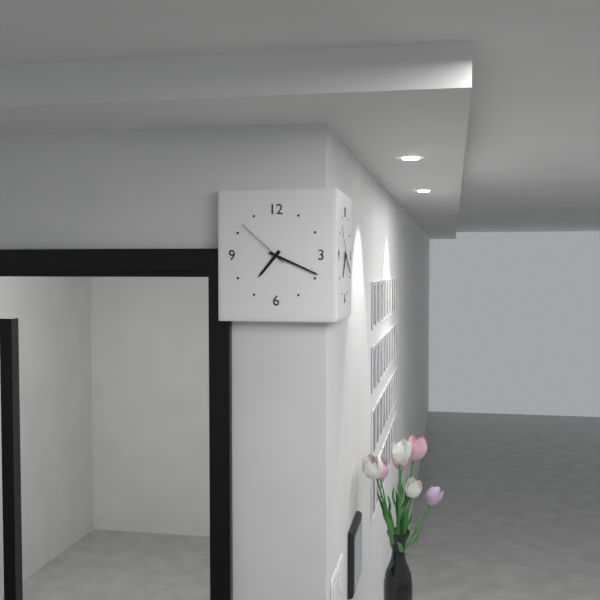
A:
7h19m52s
